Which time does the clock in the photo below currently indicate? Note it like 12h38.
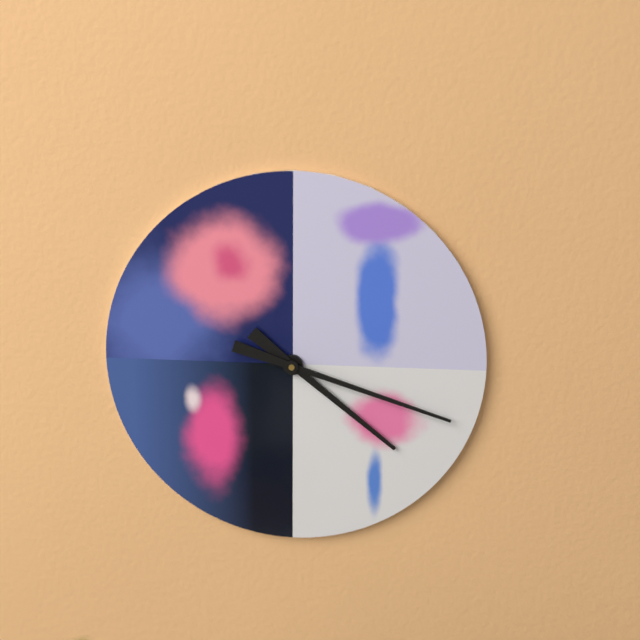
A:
4h18
